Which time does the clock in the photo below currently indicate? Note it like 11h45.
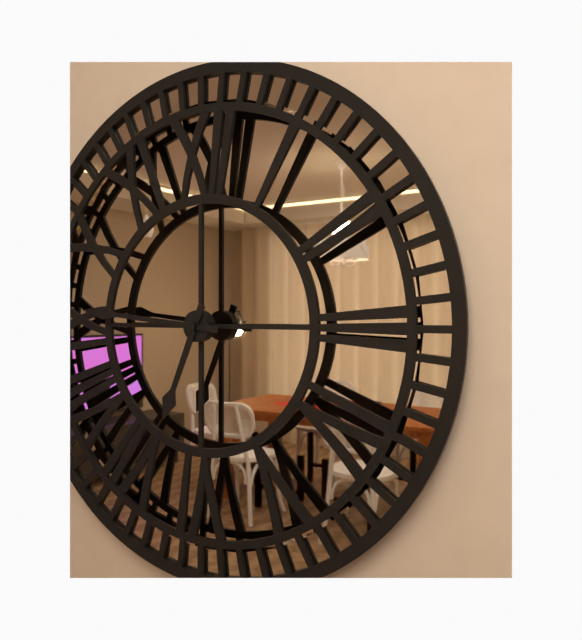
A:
6h46
